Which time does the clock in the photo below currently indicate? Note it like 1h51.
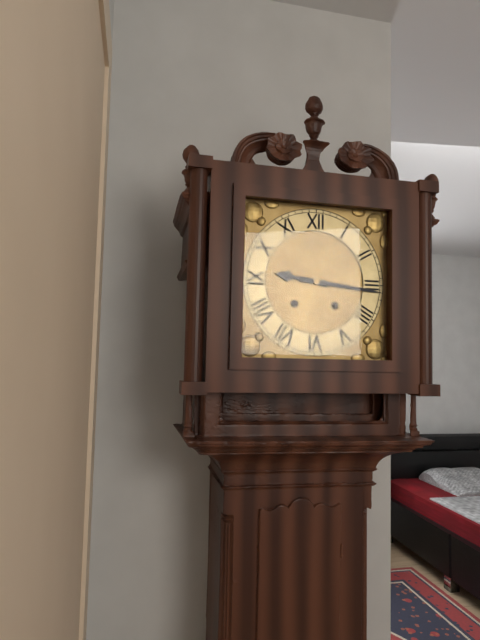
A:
9h16
